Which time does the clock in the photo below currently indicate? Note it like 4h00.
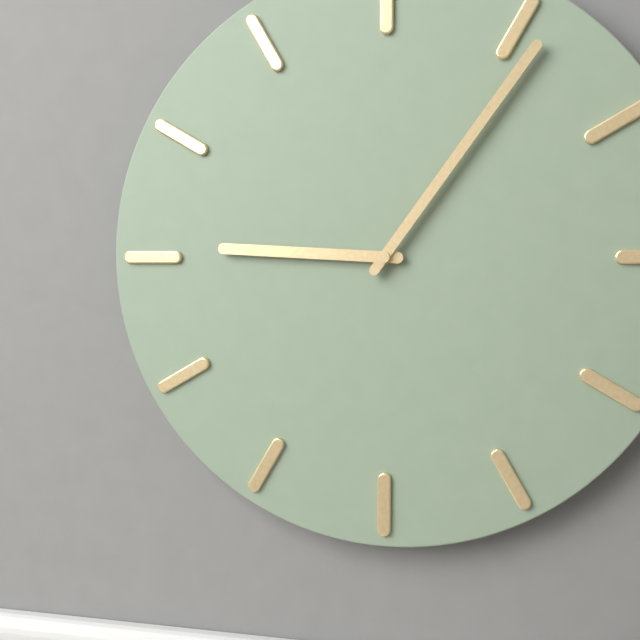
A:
9h06
